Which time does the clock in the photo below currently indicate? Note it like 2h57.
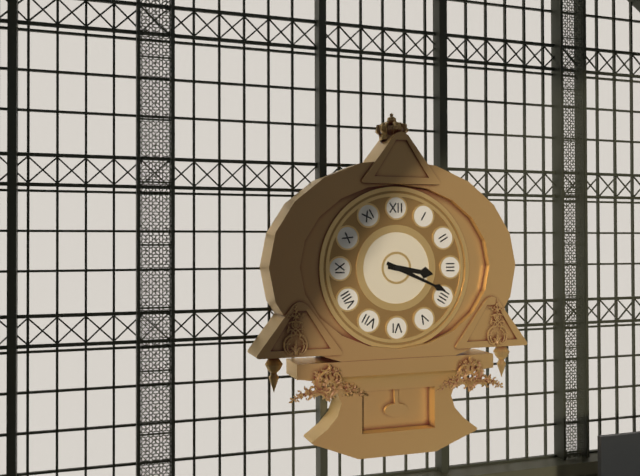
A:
3h19
